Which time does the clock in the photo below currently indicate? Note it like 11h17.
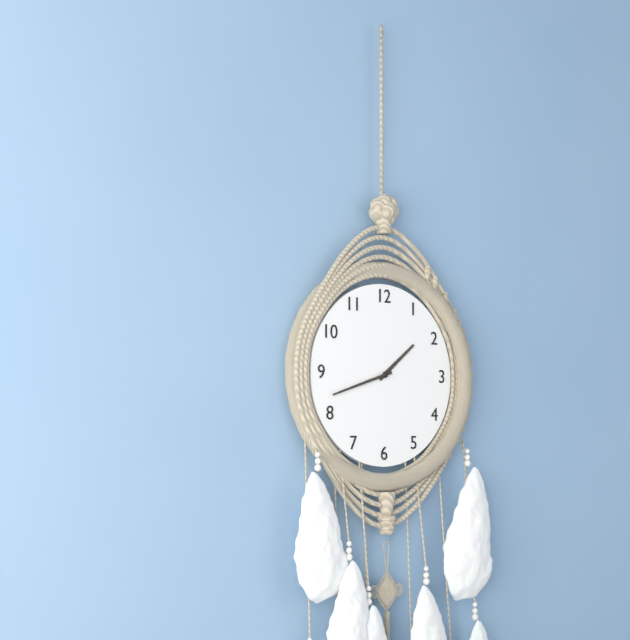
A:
1h42
